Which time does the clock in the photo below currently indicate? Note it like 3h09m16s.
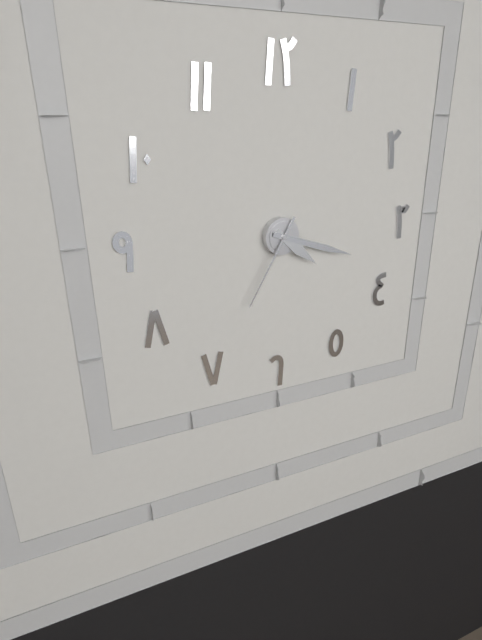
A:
4h18m35s
